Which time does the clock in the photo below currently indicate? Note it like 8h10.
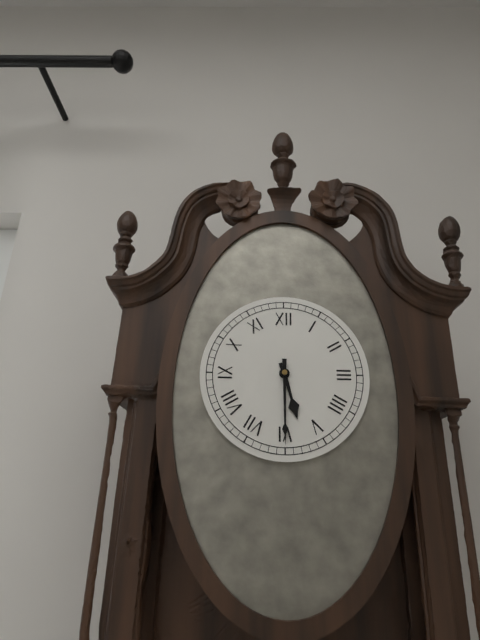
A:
5h30
